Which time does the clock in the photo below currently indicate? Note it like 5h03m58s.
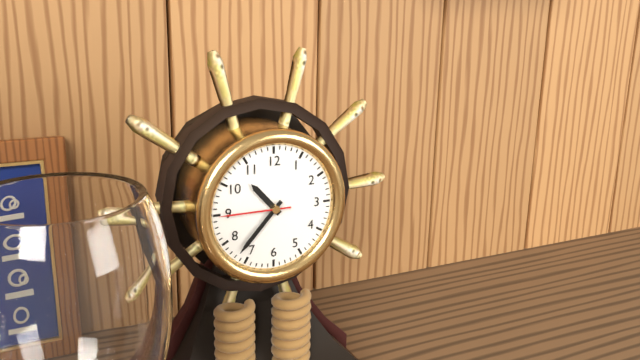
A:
10h37m45s
